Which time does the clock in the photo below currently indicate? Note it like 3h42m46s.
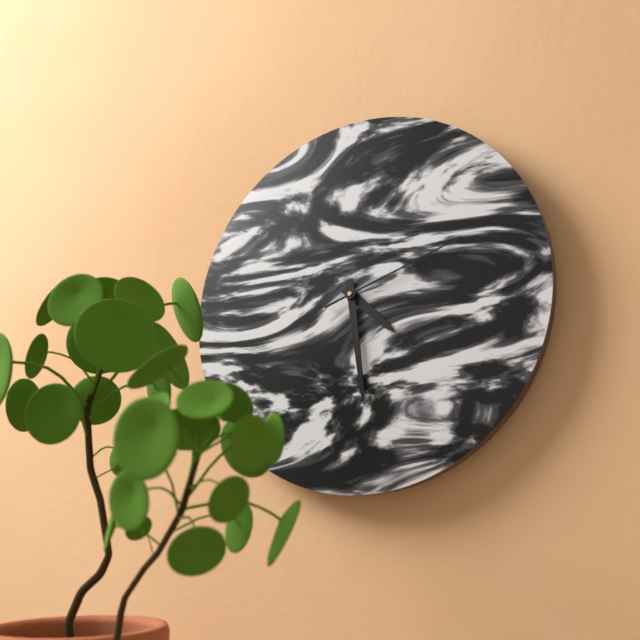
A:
4h29m12s
